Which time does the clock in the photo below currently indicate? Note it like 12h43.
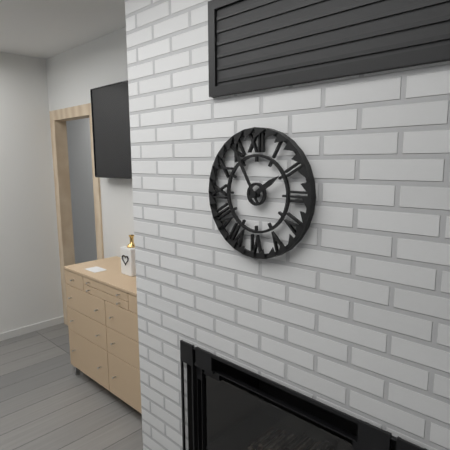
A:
1h55
